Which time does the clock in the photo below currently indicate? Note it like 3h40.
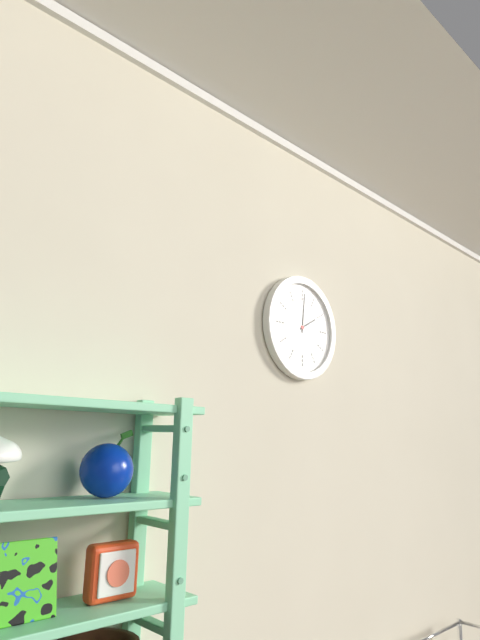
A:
2h01
